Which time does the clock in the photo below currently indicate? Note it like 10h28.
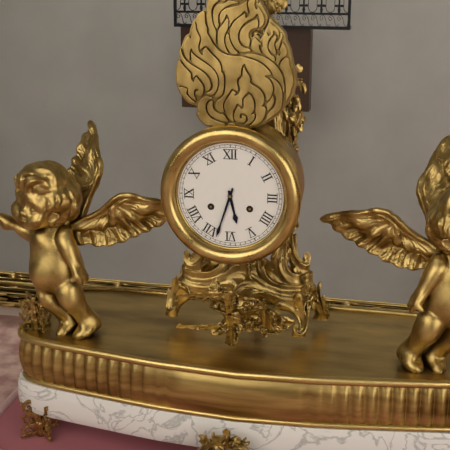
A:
5h33
